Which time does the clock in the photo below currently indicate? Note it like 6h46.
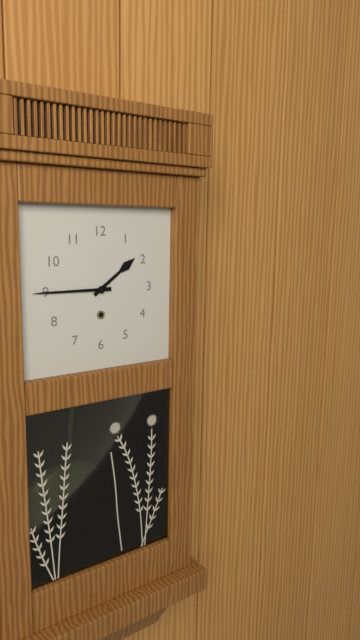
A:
1h45
